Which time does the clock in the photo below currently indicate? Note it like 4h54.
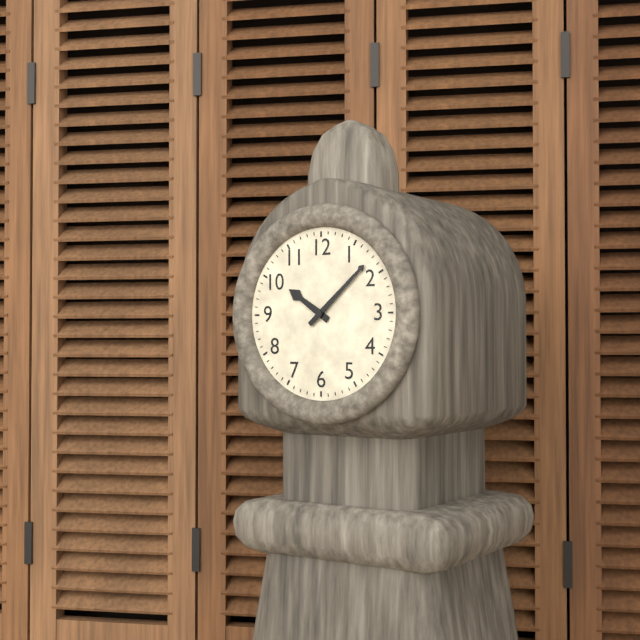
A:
10h08
